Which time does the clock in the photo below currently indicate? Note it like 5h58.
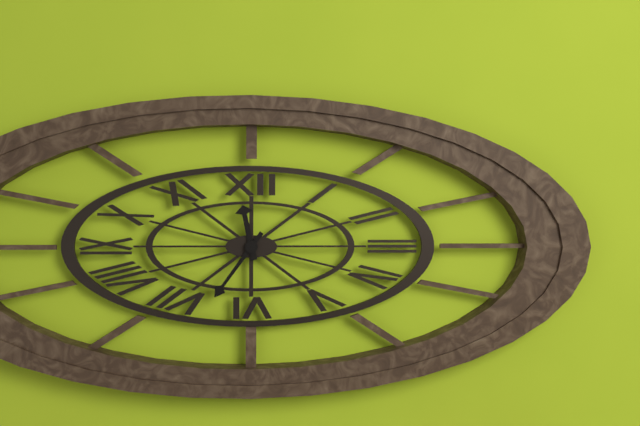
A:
11h36
